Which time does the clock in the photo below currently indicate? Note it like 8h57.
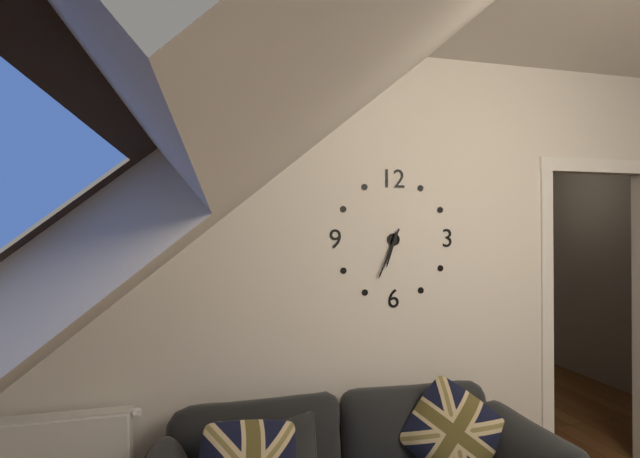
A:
6h34
